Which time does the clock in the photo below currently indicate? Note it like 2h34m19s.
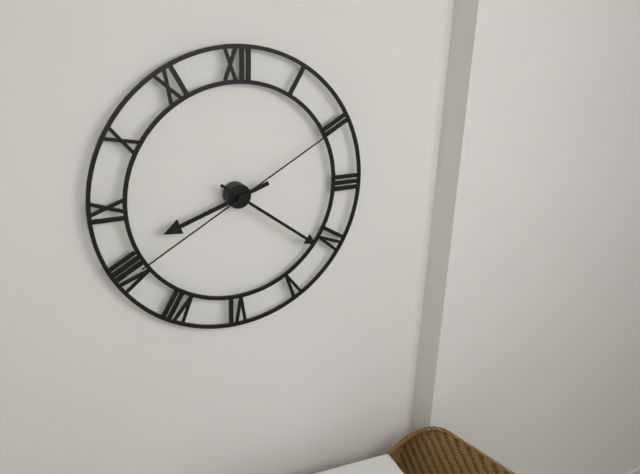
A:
8h21m10s
